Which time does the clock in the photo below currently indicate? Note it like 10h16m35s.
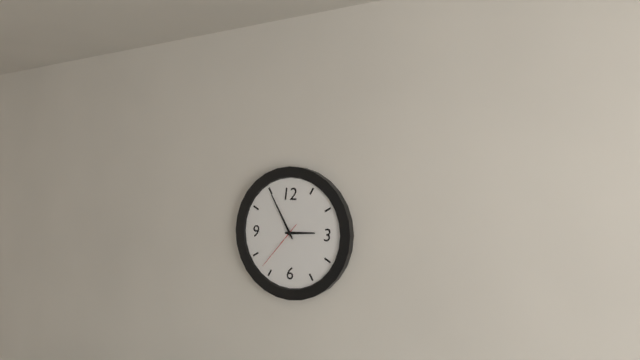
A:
2h55m37s
